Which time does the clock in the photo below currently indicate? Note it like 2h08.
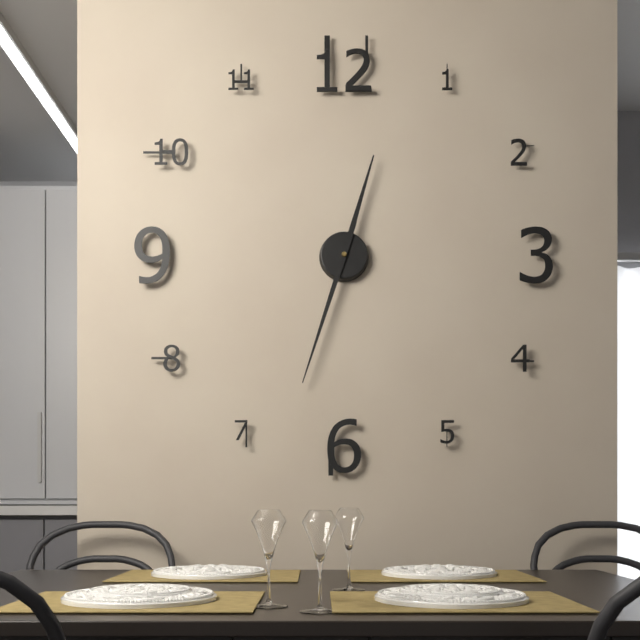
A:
12h33
